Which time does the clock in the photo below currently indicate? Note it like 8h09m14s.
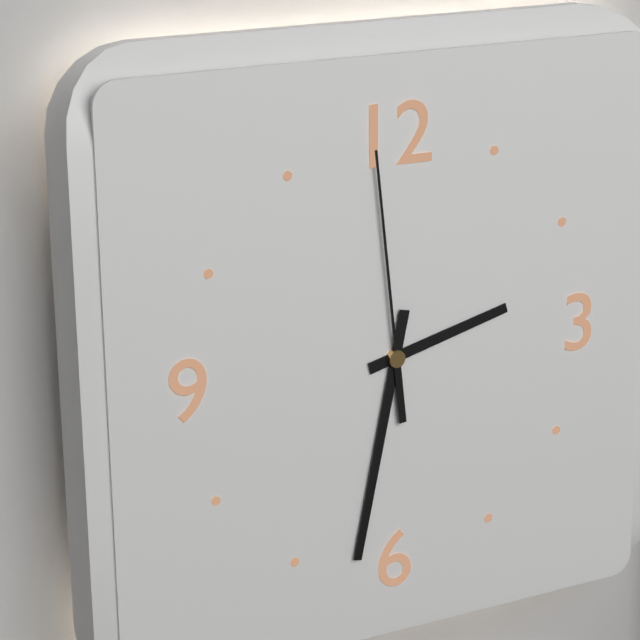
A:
2h32m59s
